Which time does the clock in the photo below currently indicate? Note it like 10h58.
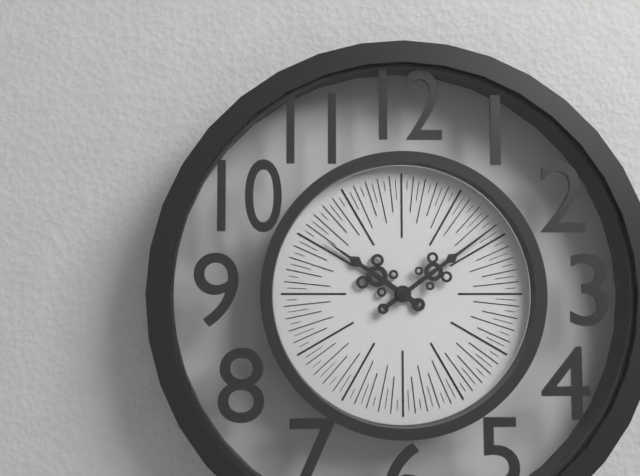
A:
10h09
